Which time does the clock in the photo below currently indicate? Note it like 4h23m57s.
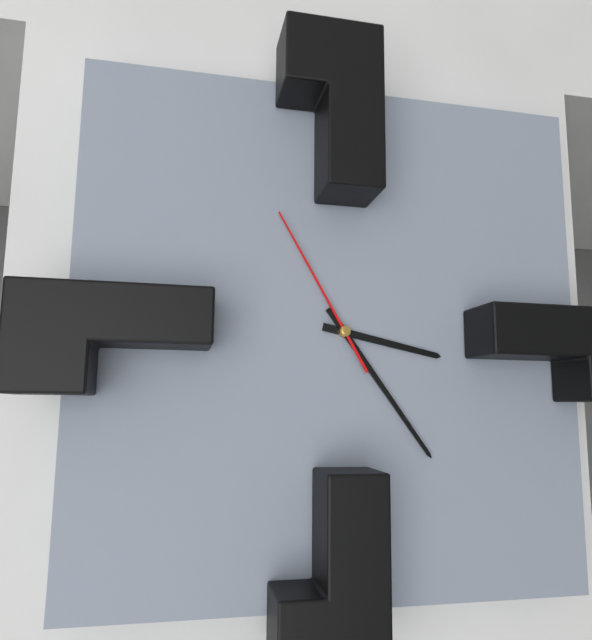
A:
3h24m55s
